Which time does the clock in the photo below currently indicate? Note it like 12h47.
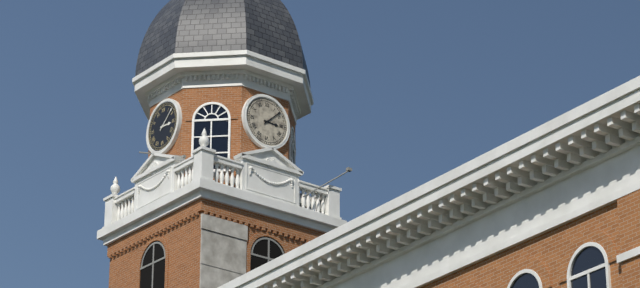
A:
3h08
